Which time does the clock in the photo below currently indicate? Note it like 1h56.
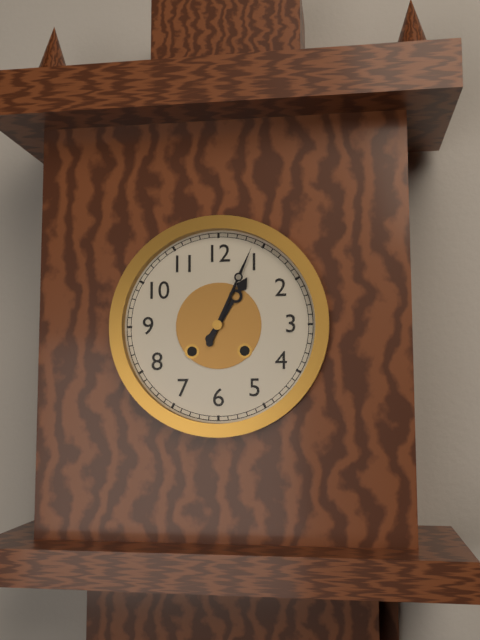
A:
1h04
